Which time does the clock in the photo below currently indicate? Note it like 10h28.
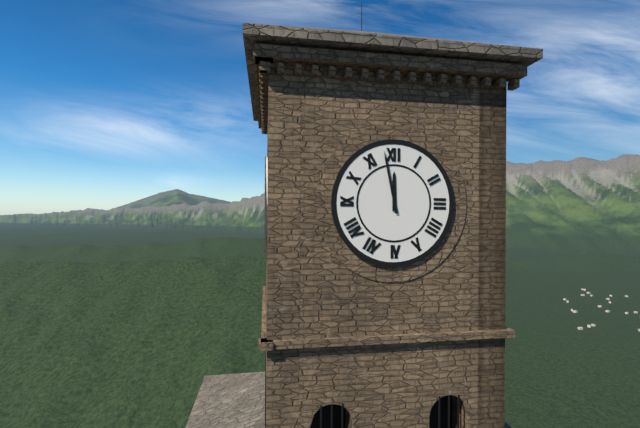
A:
11h58
